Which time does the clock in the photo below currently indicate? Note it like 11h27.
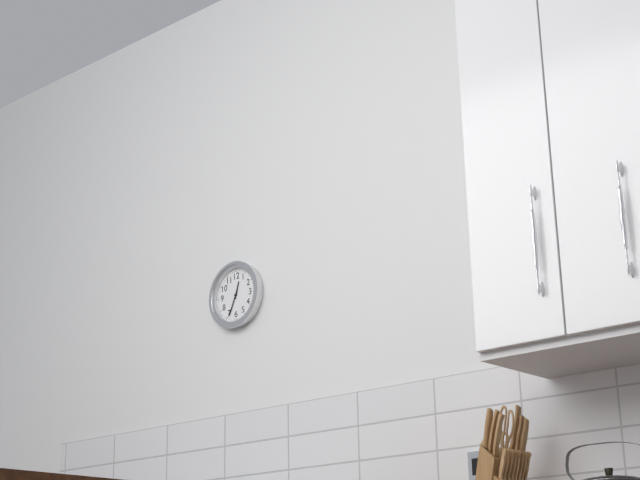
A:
12h34
